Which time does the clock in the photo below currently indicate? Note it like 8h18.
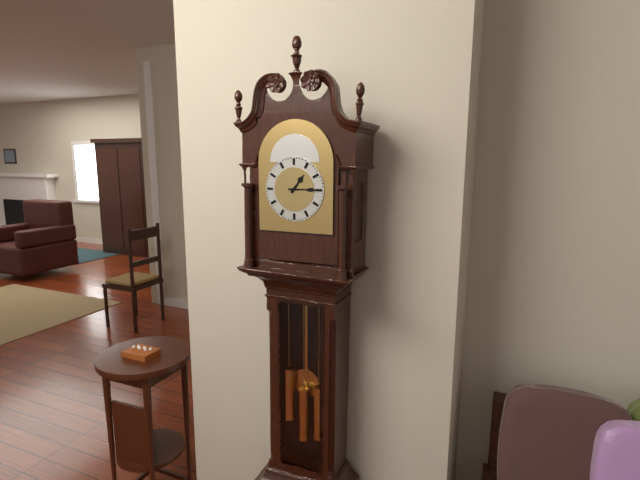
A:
1h15
